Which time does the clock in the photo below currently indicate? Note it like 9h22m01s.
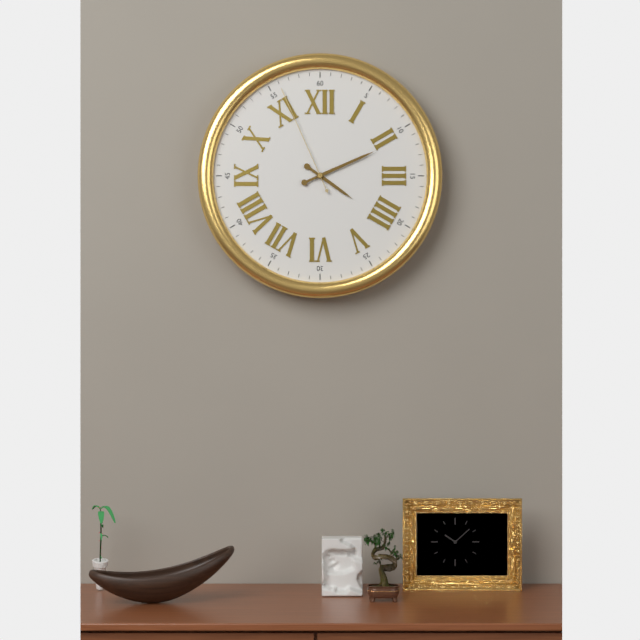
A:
4h11m56s
